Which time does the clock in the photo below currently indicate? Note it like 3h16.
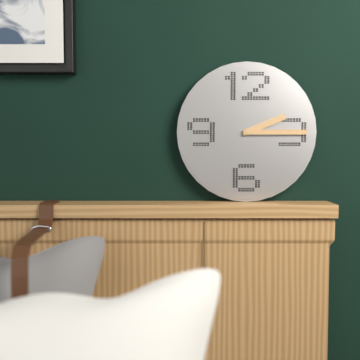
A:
2h15
